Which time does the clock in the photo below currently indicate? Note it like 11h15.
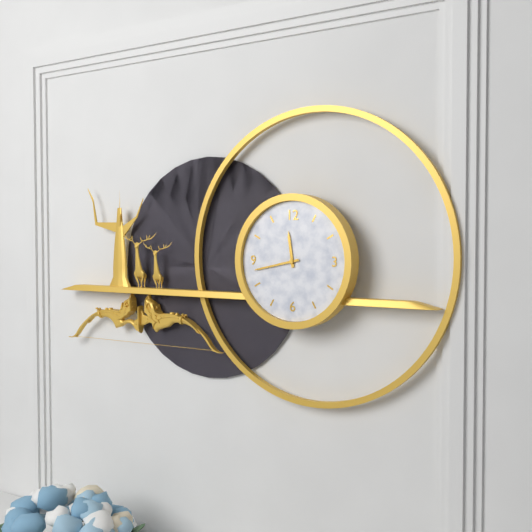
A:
11h43
